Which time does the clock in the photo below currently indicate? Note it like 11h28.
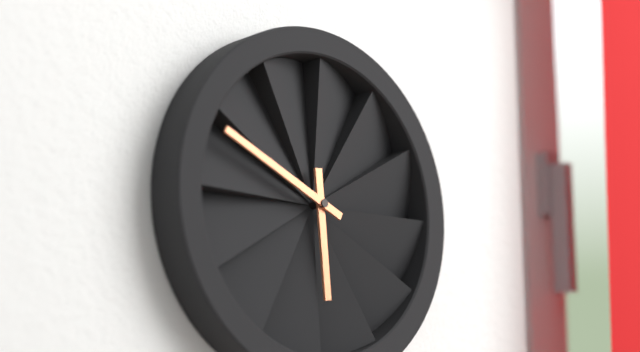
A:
5h49
